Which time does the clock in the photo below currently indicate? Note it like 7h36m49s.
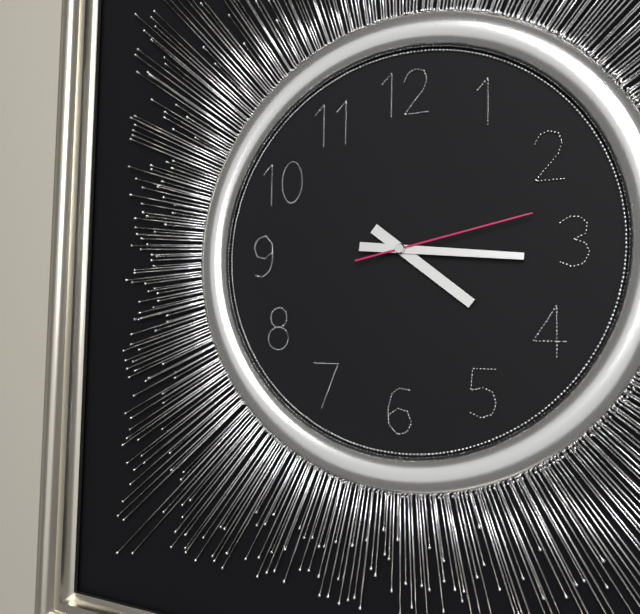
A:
4h16m13s
